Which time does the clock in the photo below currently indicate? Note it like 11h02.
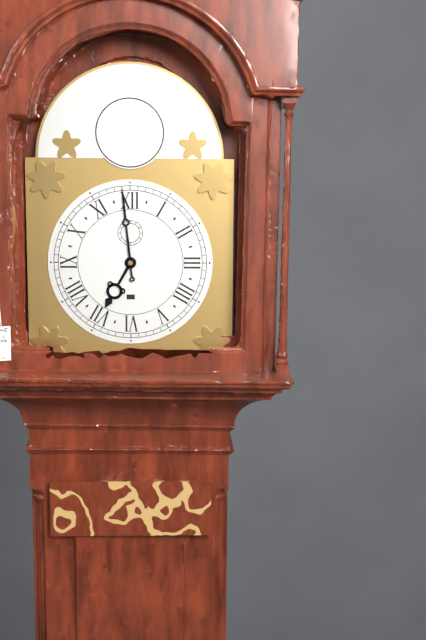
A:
6h59
